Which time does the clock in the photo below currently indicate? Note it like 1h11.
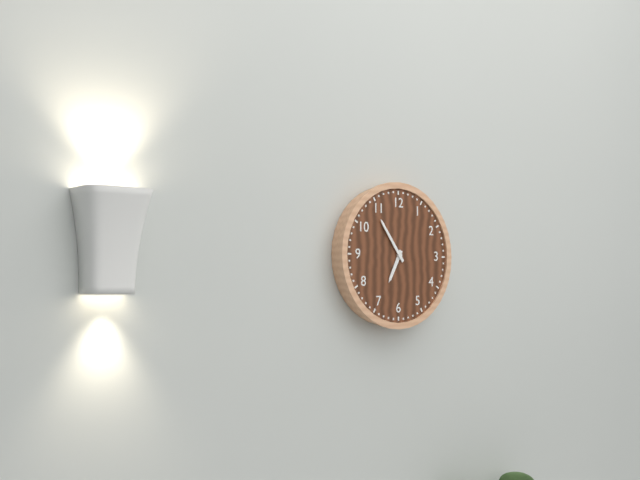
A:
6h54
